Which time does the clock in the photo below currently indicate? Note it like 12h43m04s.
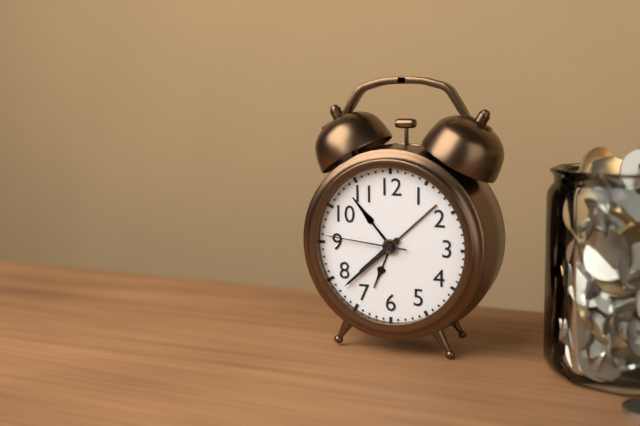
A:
7h38m46s
